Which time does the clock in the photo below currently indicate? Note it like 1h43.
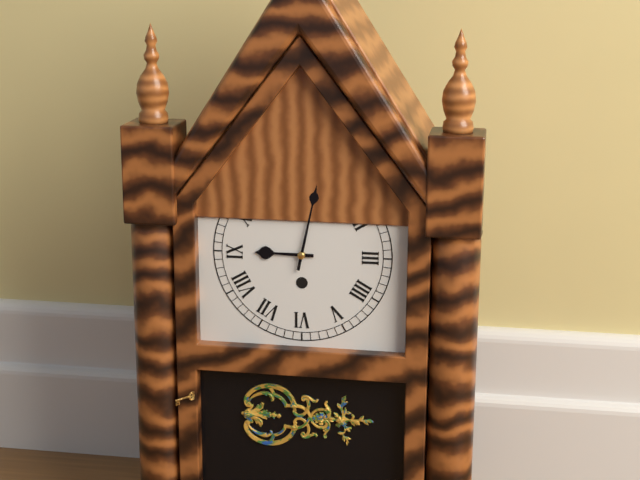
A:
9h02
